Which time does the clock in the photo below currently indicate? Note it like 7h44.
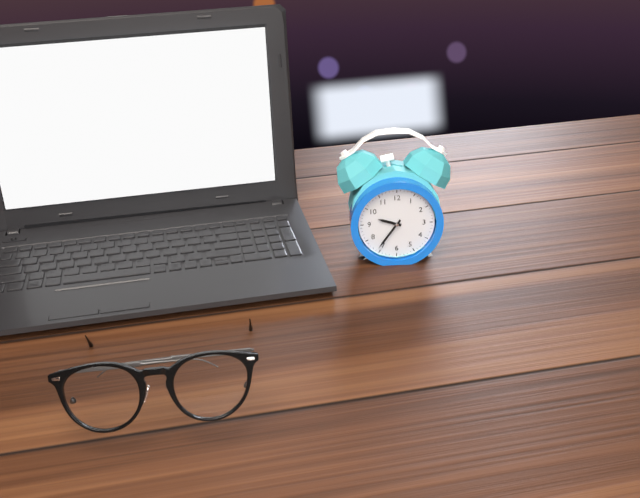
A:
9h36
